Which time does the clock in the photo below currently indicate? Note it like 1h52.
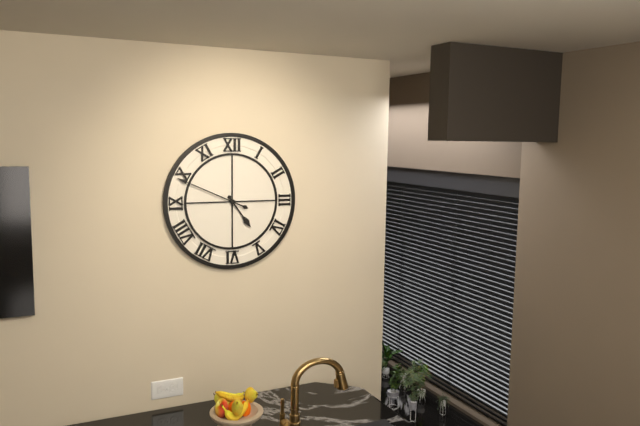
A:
4h49
